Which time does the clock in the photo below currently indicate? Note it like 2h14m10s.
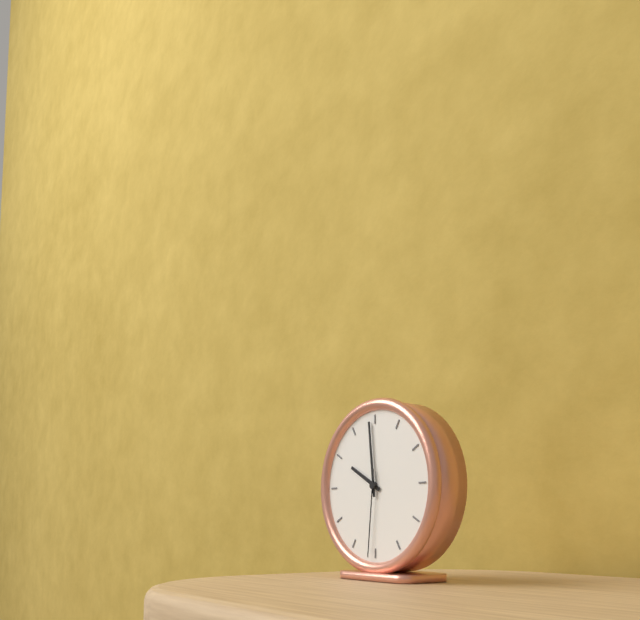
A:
9h59m31s
